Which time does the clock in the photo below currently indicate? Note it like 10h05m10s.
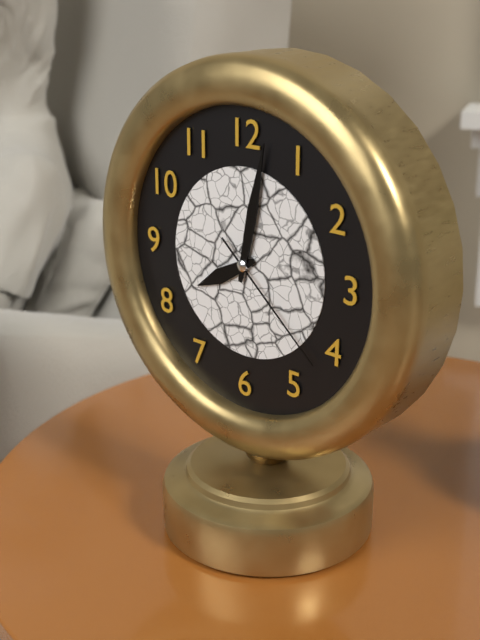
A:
8h02m22s
